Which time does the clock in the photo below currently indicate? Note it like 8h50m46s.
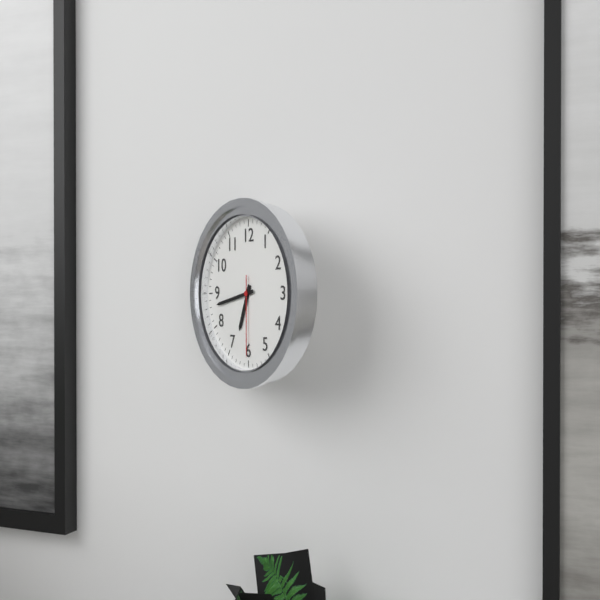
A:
6h43m30s
